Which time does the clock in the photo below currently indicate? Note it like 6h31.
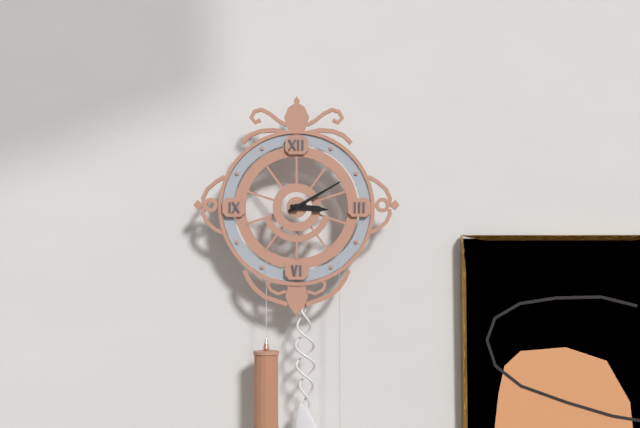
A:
3h10
